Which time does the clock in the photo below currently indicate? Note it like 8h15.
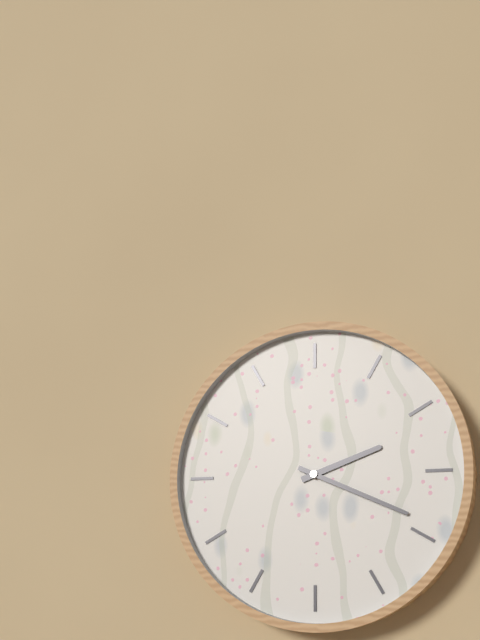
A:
2h19
